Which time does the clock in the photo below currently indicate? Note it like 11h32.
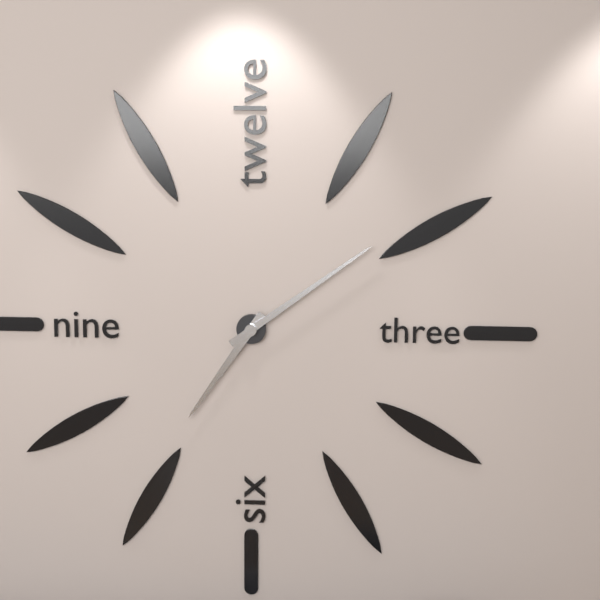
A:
7h09
